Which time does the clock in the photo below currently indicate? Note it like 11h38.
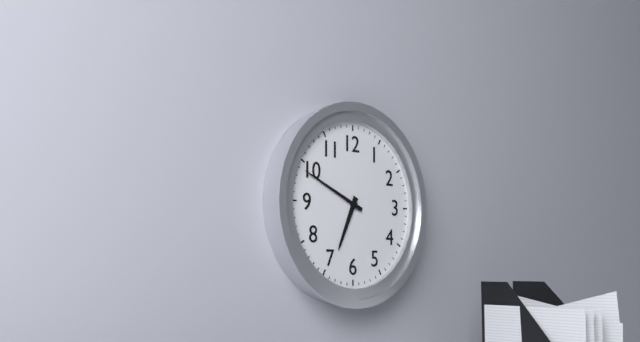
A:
6h49
